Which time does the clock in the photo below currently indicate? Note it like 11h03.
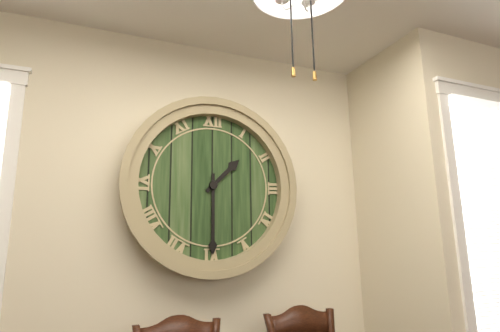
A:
1h30
